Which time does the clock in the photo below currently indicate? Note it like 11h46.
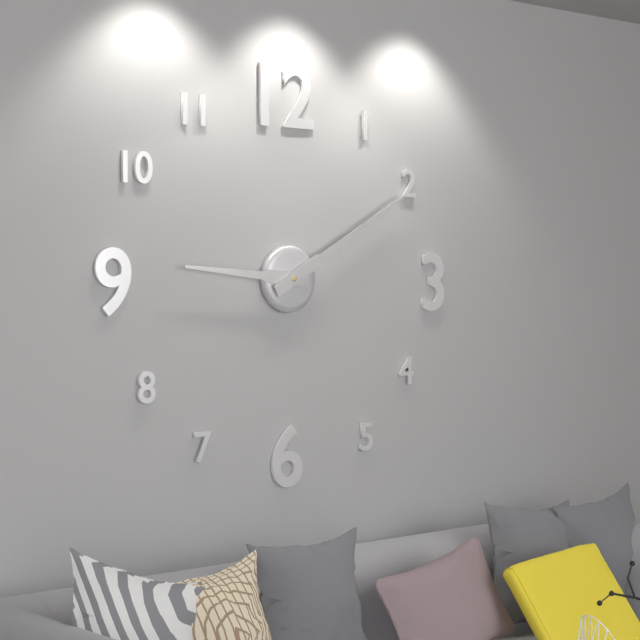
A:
9h10
